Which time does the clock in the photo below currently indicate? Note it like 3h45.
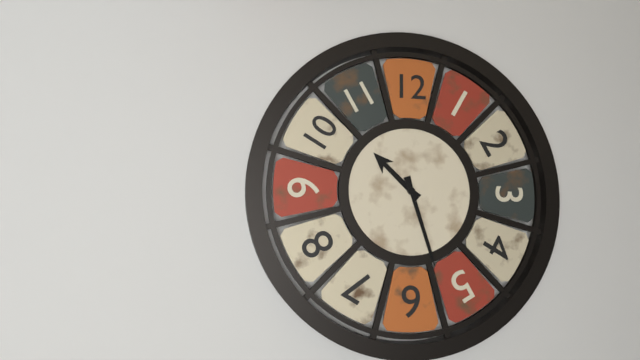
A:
10h27
